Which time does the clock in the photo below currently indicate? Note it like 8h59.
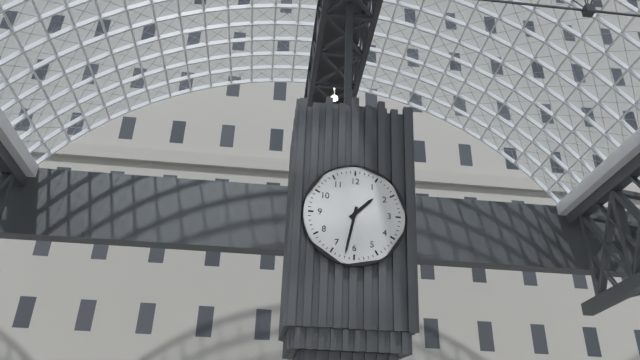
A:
1h32
